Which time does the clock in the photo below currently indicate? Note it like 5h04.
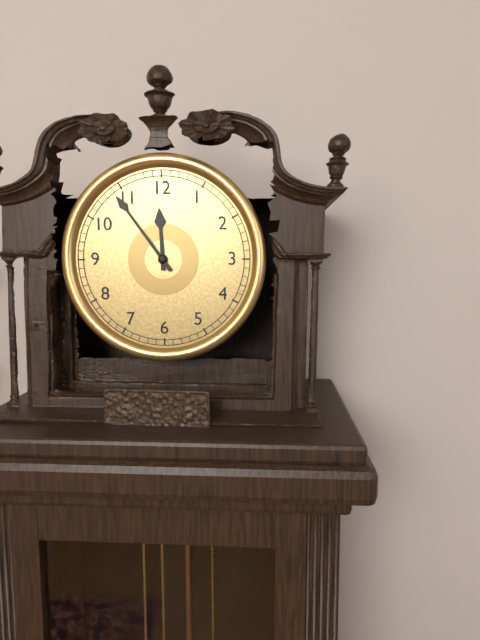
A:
11h54
